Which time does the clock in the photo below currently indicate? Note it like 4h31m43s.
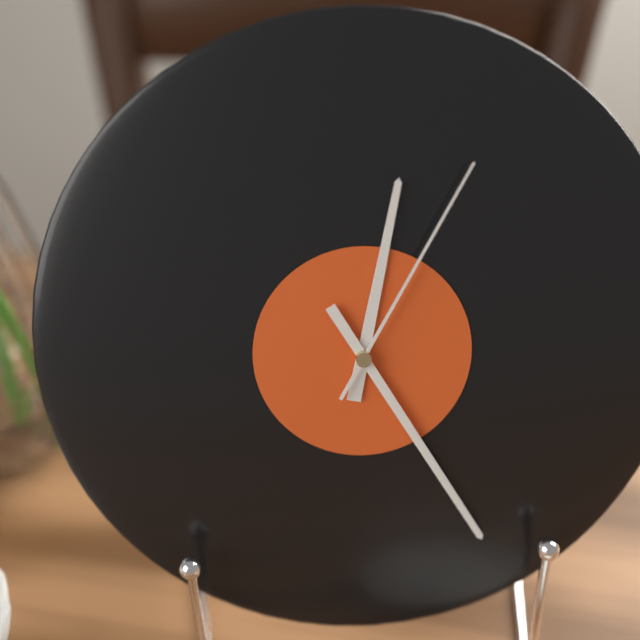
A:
12h25m05s
